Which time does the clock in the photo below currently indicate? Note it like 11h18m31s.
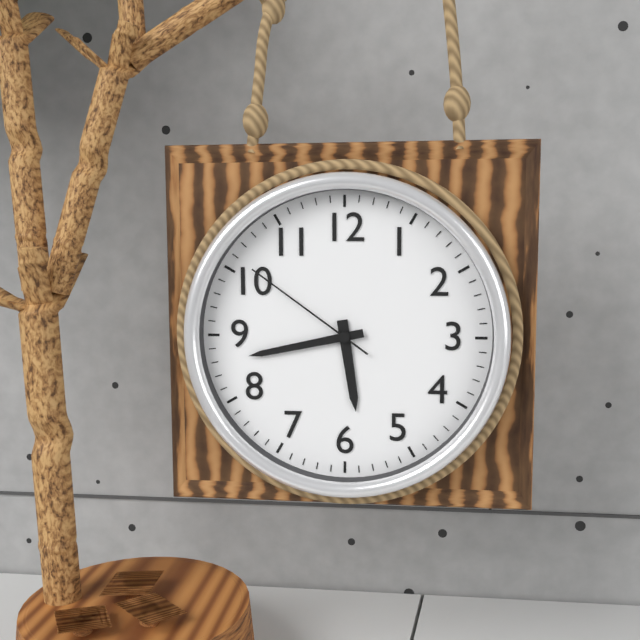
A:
5h43m51s
